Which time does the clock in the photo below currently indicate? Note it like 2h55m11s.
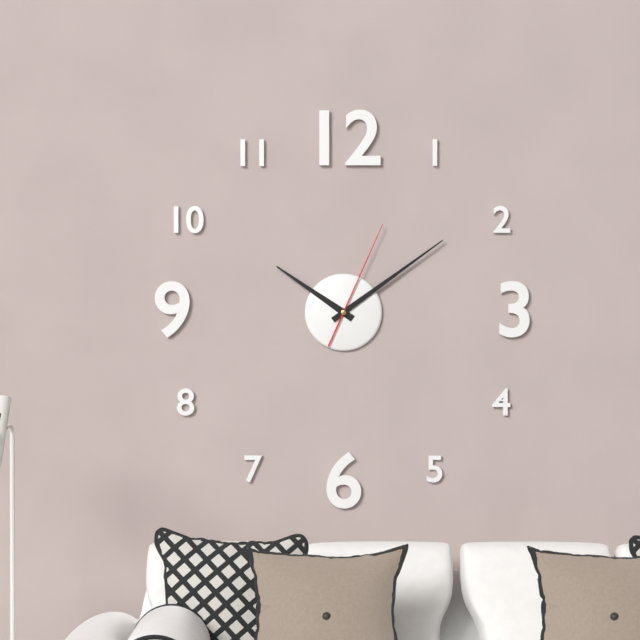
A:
10h09m04s
